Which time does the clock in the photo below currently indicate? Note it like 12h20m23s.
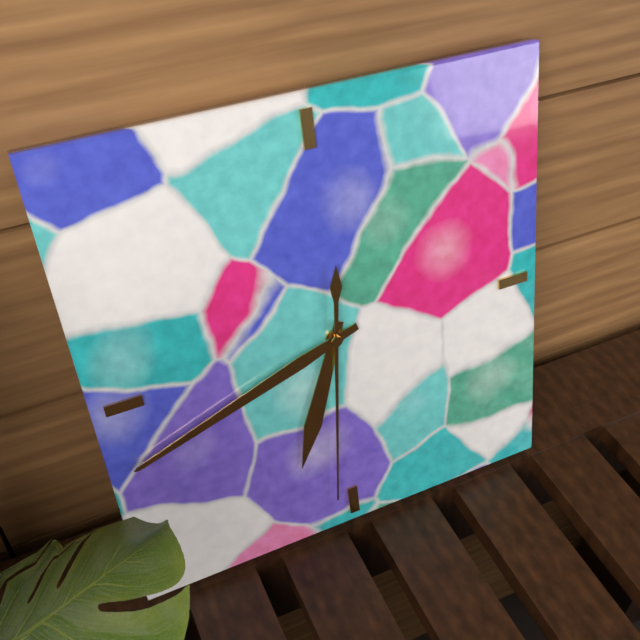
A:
6h42m31s
